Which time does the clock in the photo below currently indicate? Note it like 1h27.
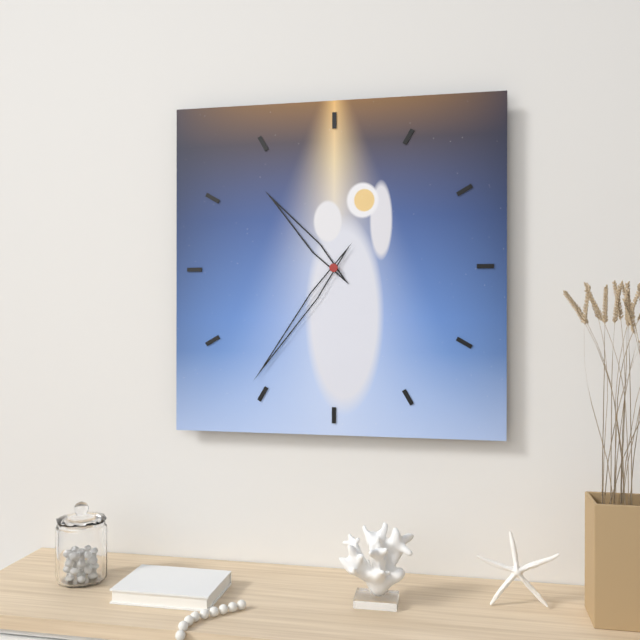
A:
10h36
